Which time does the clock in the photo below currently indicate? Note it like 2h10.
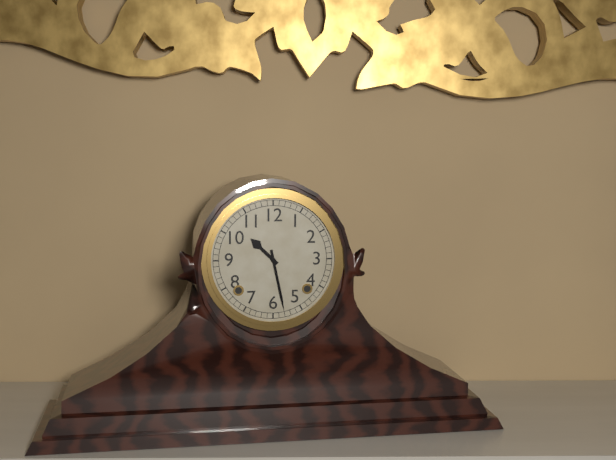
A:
10h28
